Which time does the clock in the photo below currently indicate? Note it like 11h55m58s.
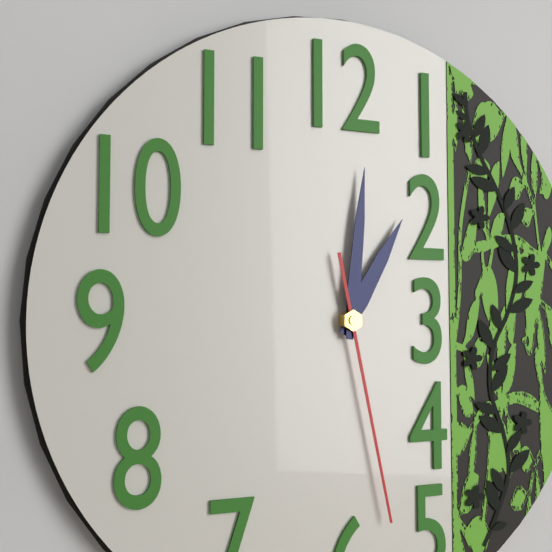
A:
1h01m28s
